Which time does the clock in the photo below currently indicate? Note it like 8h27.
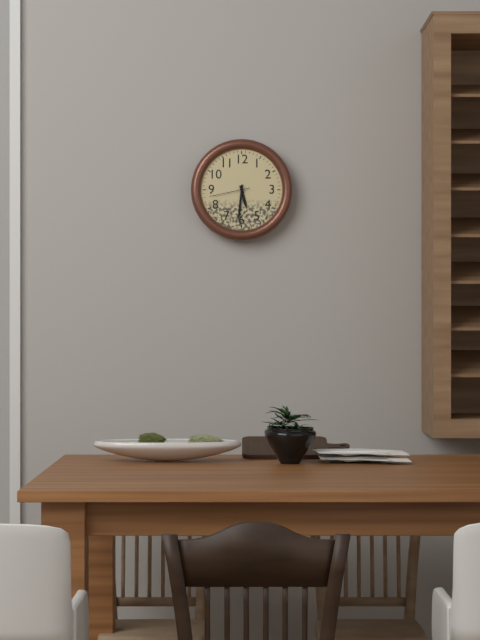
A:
5h31
